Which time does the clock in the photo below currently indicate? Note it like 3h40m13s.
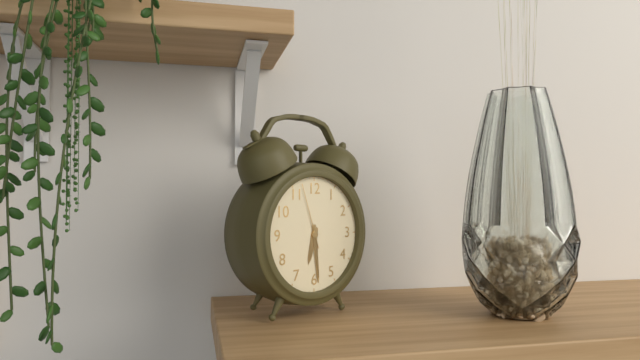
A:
6h29m57s
